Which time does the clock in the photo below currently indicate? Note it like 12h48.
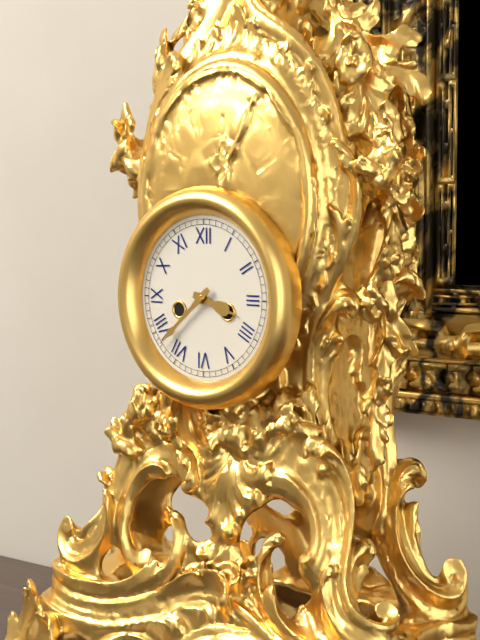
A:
3h38
